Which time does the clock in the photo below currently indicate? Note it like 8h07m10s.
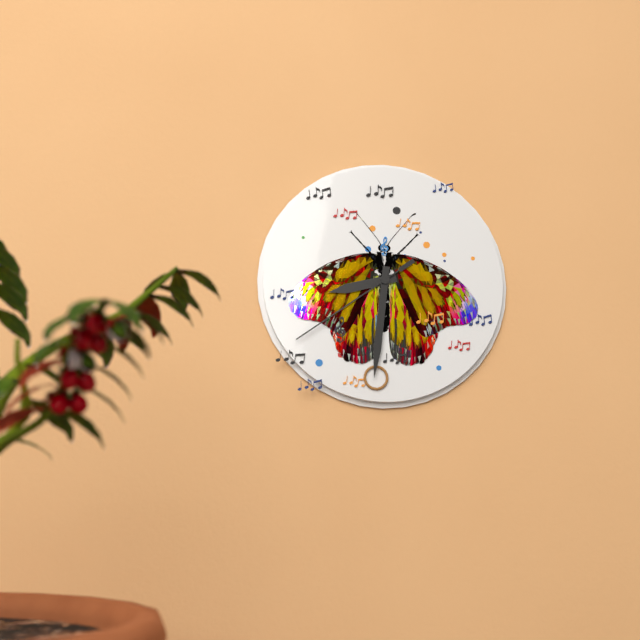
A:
8h31m39s
